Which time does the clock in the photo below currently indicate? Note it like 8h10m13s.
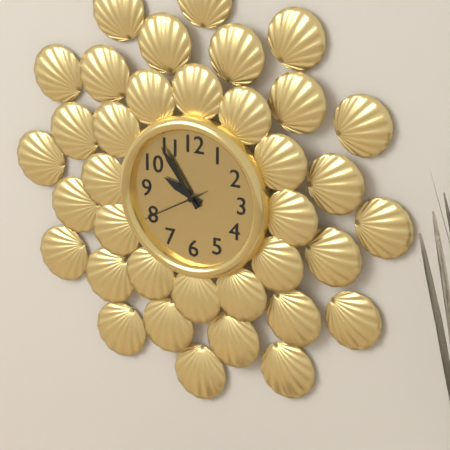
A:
9h54m40s
